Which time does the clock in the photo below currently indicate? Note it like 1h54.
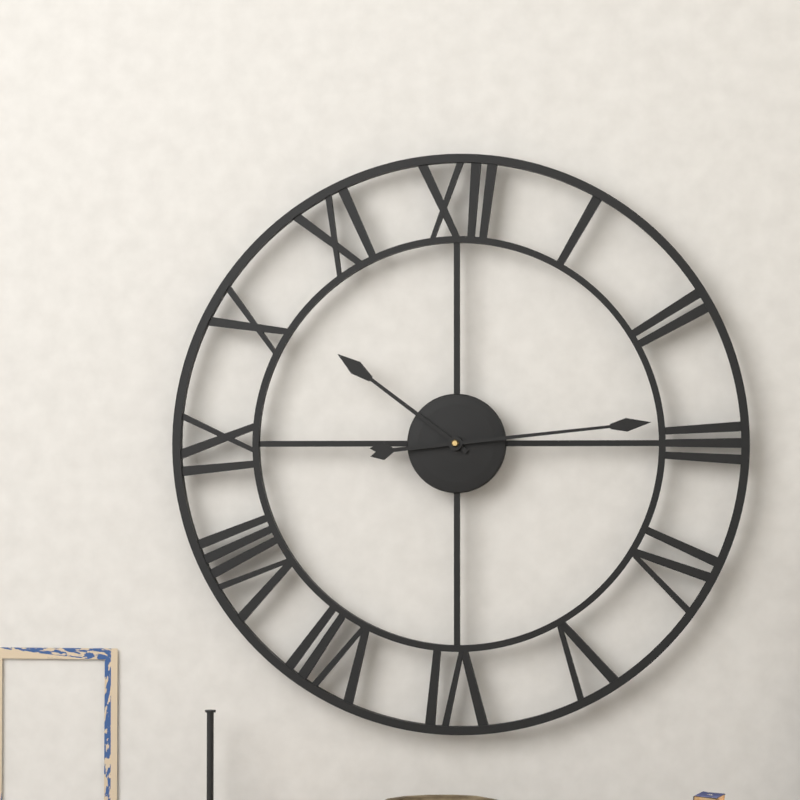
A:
10h14
